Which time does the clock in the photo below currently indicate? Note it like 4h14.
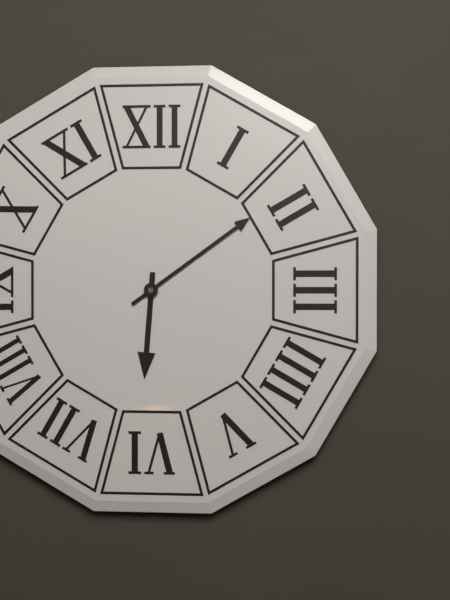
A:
6h09
